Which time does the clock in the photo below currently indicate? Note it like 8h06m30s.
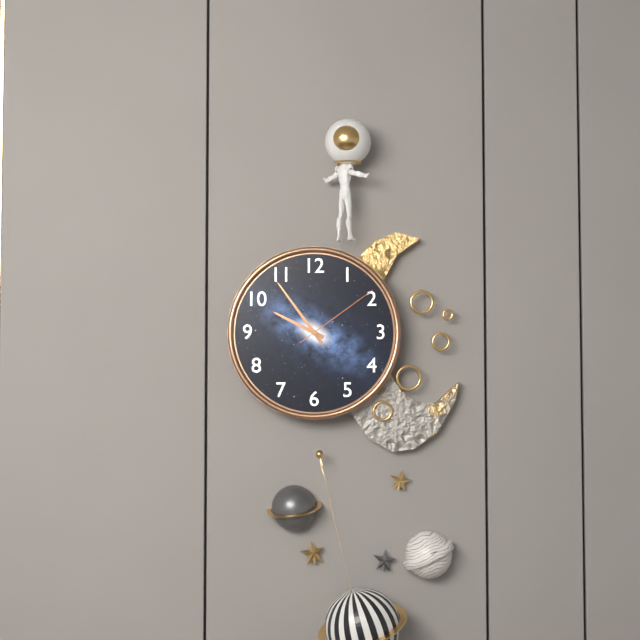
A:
9h54m09s
